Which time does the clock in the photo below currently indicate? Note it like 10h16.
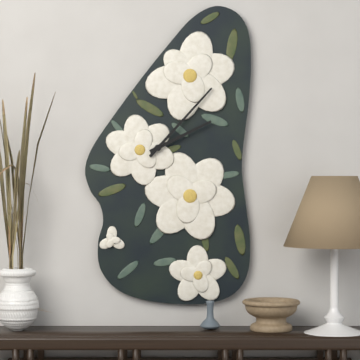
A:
2h07
